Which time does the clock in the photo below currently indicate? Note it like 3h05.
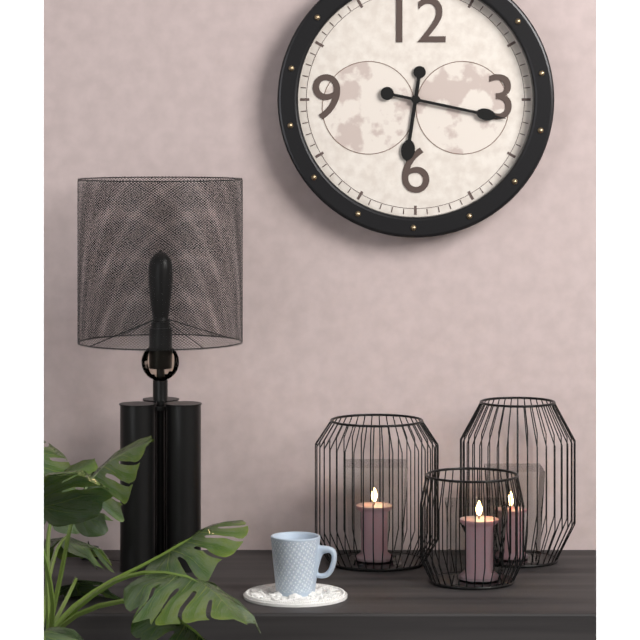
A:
6h17
